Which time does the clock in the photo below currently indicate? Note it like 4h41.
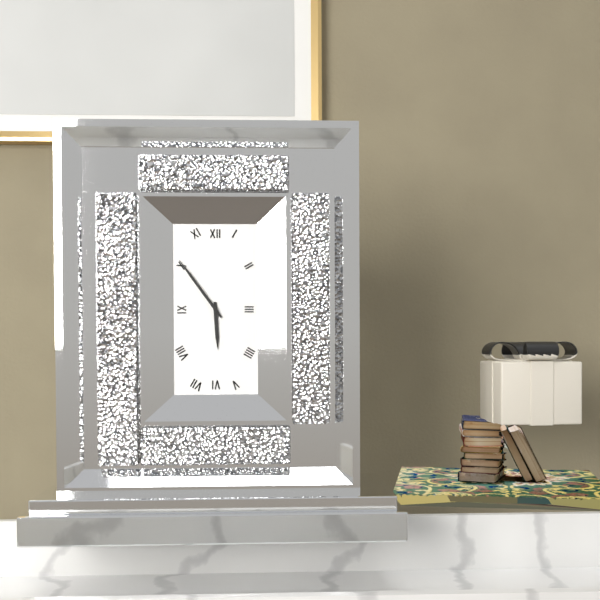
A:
5h54
